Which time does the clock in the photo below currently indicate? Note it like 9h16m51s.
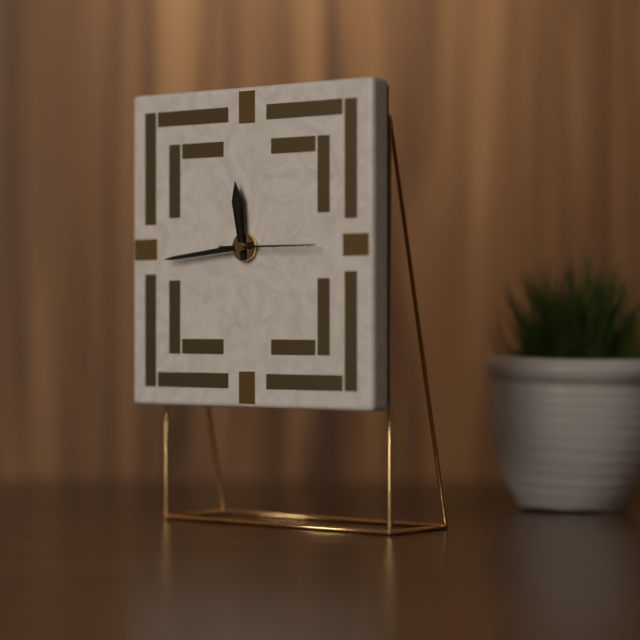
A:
11h44m15s
